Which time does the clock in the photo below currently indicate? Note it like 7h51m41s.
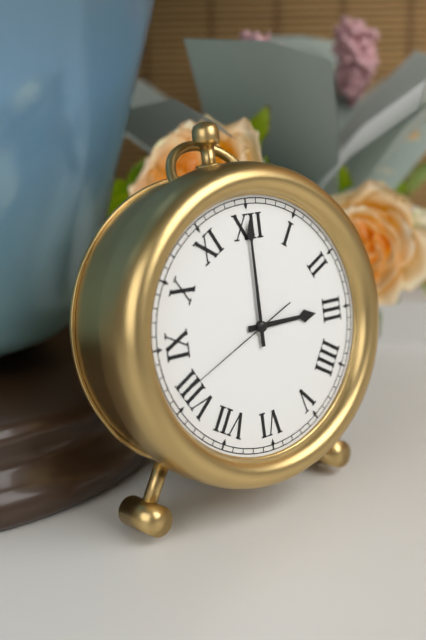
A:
3h00m41s
